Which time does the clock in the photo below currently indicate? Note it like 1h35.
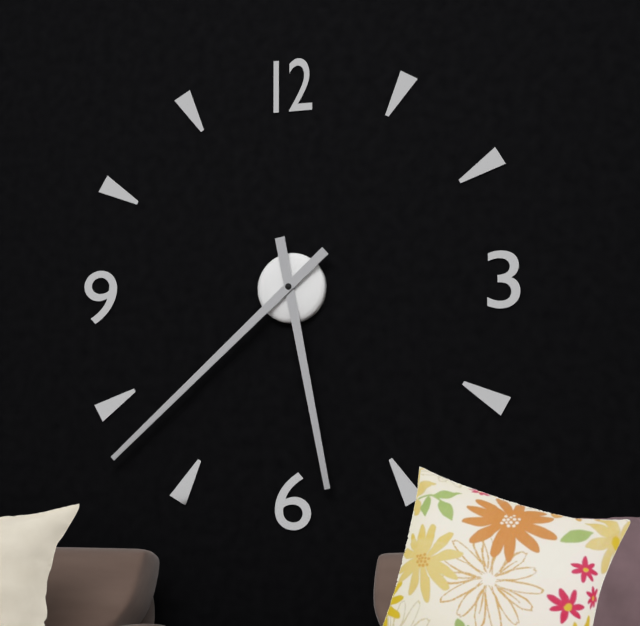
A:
5h38
